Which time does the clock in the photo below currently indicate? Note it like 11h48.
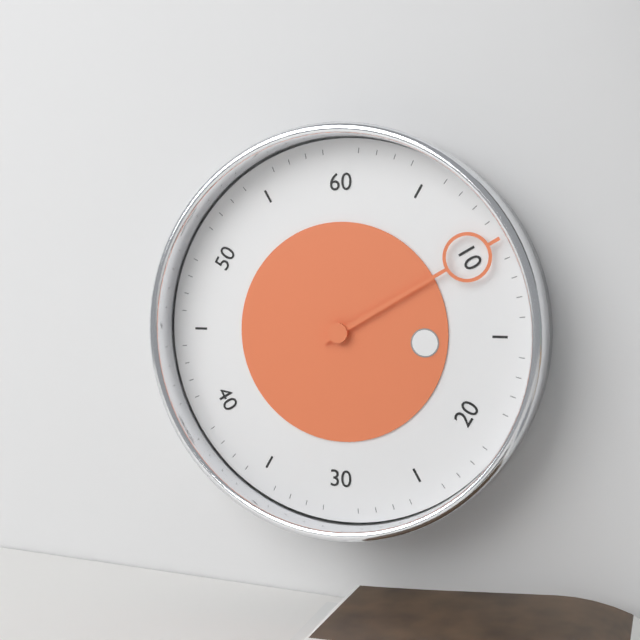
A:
3h10
